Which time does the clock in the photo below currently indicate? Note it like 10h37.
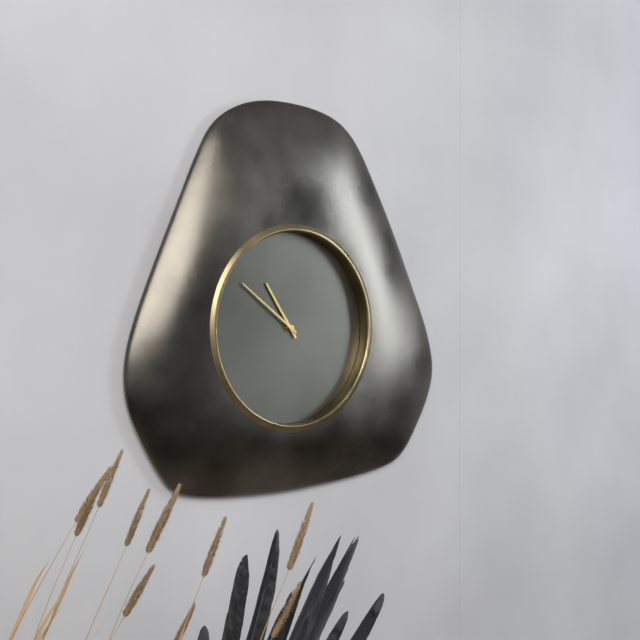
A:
10h51
